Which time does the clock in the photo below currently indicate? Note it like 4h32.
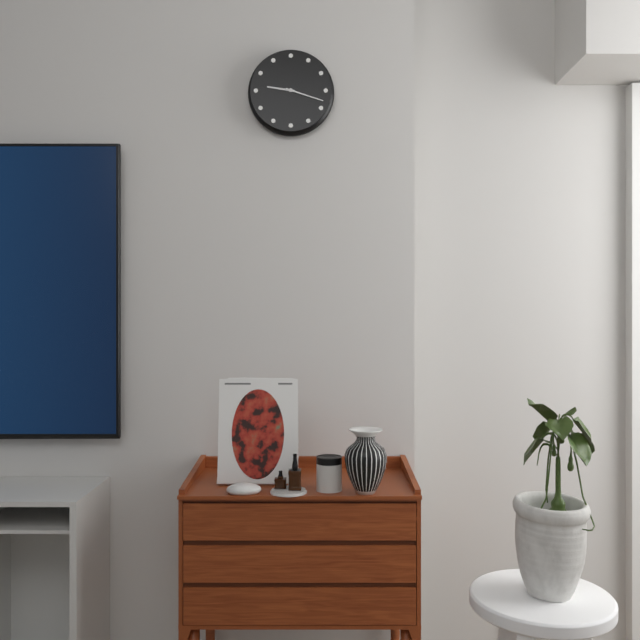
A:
9h18
